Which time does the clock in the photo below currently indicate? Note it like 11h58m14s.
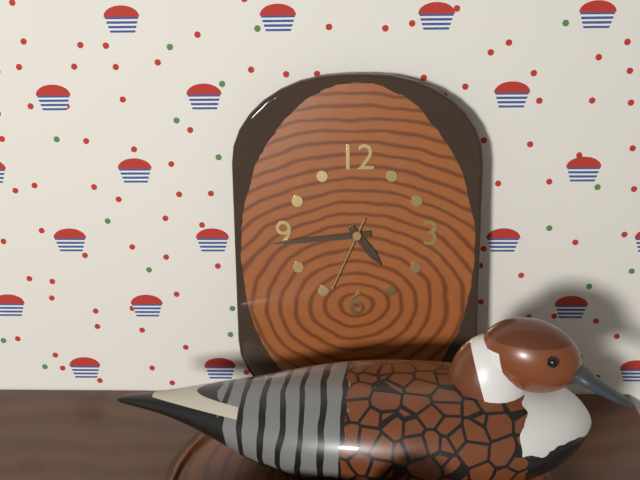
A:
4h44m34s
